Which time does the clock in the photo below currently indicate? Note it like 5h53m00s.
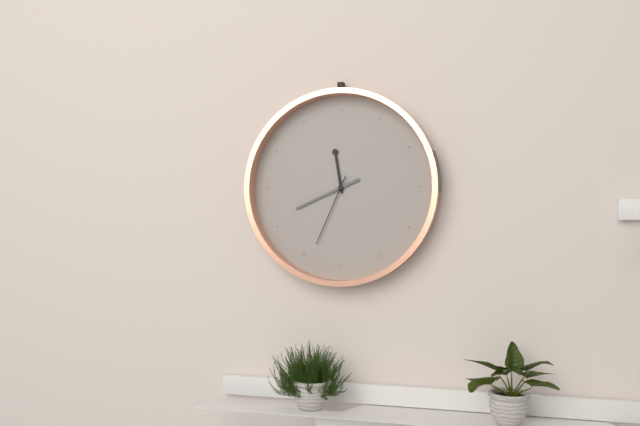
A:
11h41m34s
